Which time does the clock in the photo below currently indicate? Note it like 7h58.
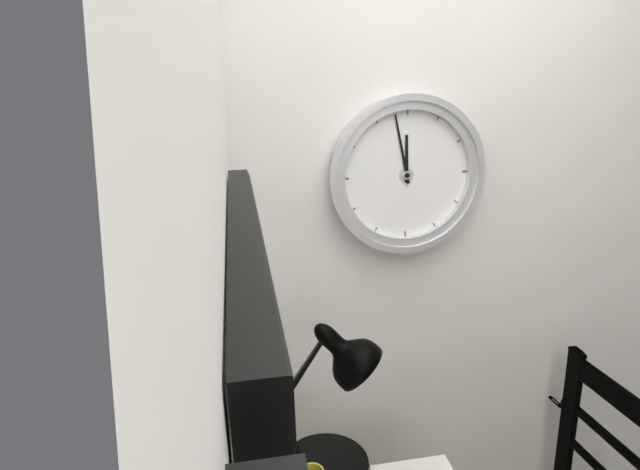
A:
11h58
